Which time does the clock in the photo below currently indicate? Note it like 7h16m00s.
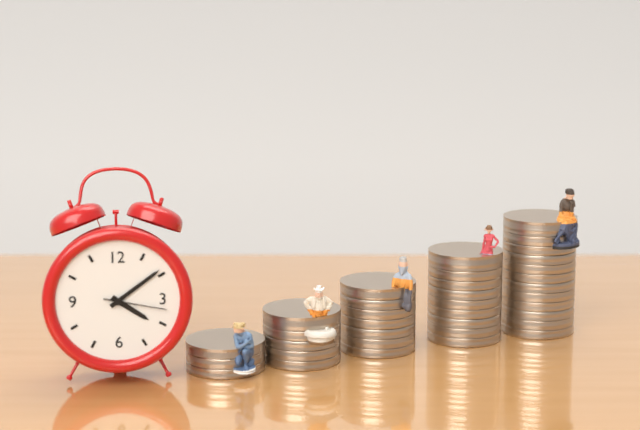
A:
4h09m17s
